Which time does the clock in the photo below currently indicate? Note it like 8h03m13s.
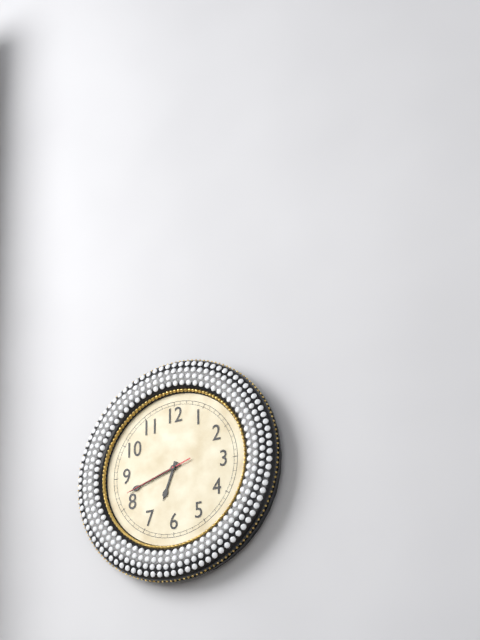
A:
6h42m42s
